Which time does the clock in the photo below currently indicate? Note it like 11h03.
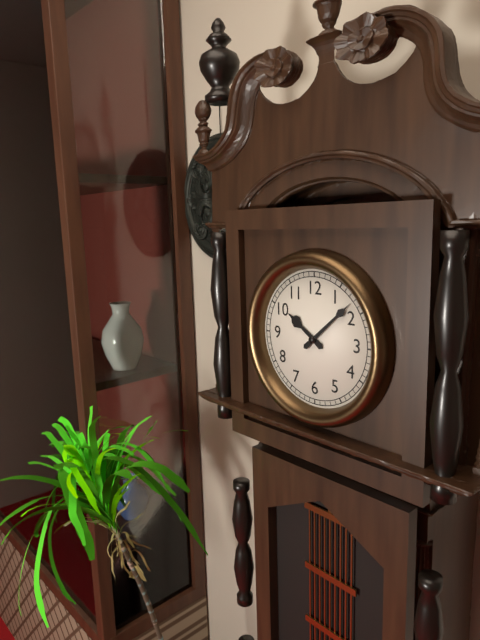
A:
10h08
